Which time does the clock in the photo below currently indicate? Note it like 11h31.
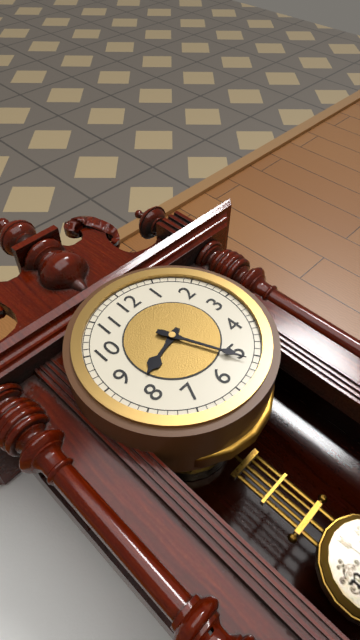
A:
8h26
